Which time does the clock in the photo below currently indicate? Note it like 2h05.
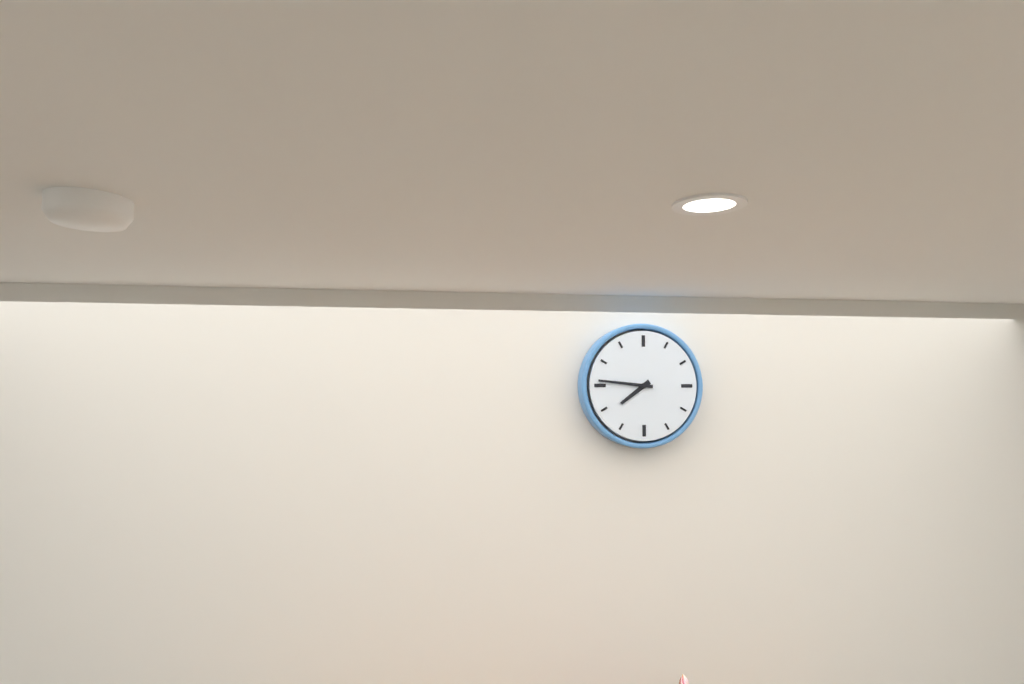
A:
7h46
